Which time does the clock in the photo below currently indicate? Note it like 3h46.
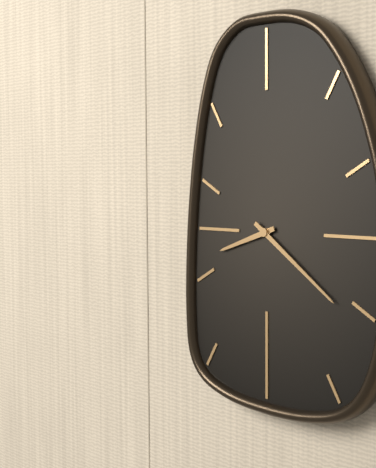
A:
8h21
